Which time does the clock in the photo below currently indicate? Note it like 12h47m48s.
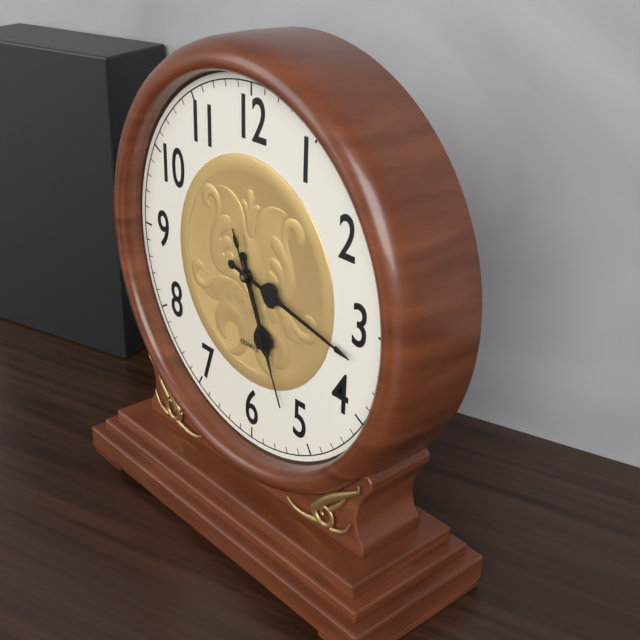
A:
5h17m26s
